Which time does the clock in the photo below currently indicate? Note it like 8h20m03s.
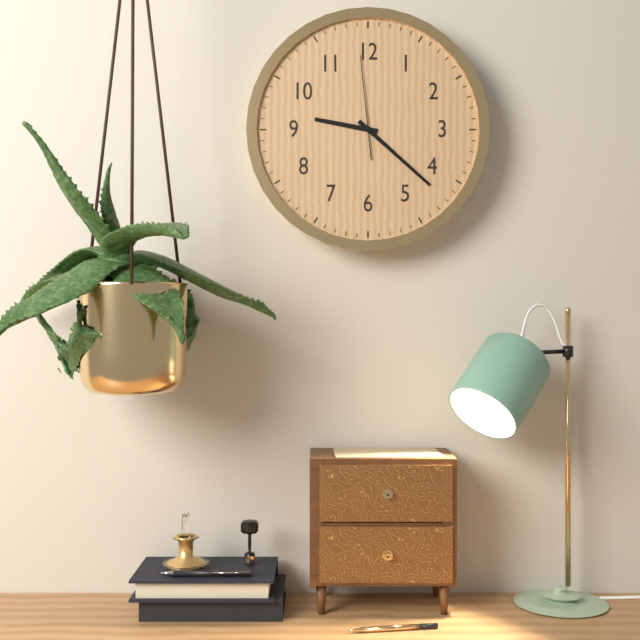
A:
9h22m59s
